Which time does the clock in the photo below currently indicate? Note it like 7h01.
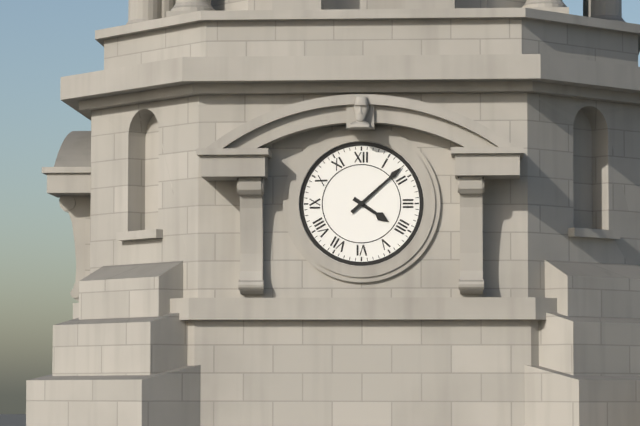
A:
4h08
